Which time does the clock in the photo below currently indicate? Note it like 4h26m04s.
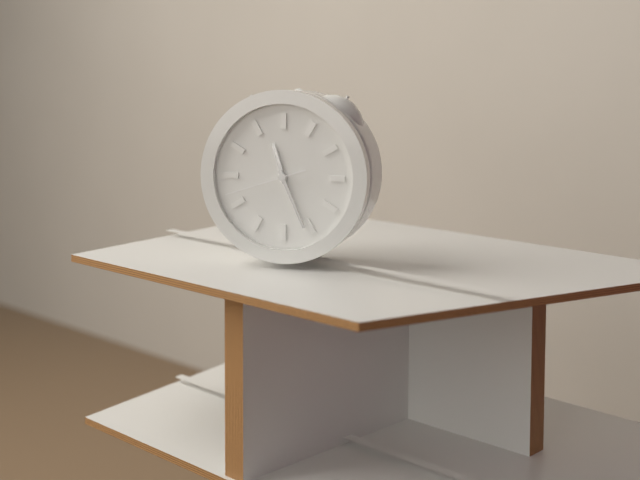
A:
11h26m42s
